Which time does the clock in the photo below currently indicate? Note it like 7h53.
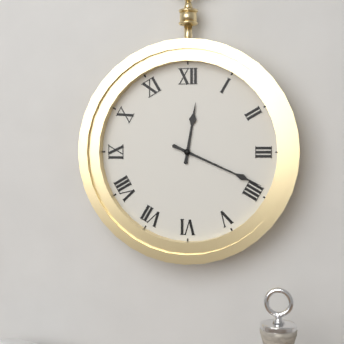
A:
12h19
